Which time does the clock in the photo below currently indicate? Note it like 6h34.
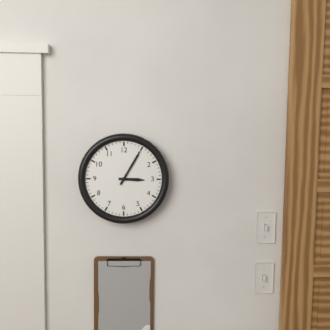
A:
3h05
